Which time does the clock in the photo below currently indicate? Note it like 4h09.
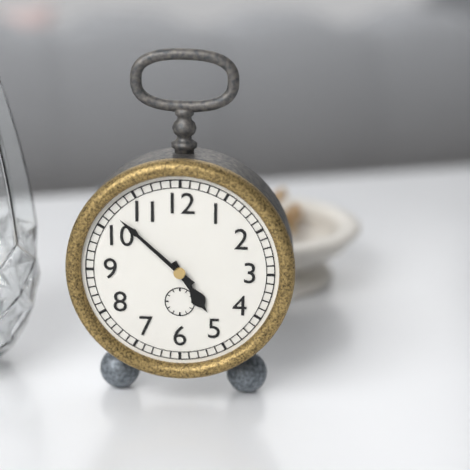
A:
4h52
